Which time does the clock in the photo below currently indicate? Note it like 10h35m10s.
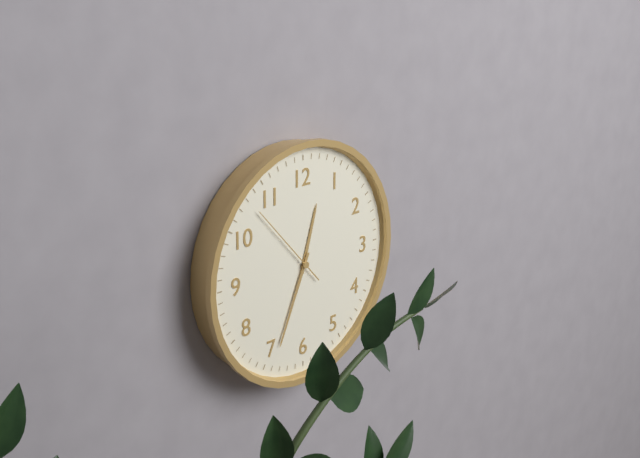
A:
12h34m53s
